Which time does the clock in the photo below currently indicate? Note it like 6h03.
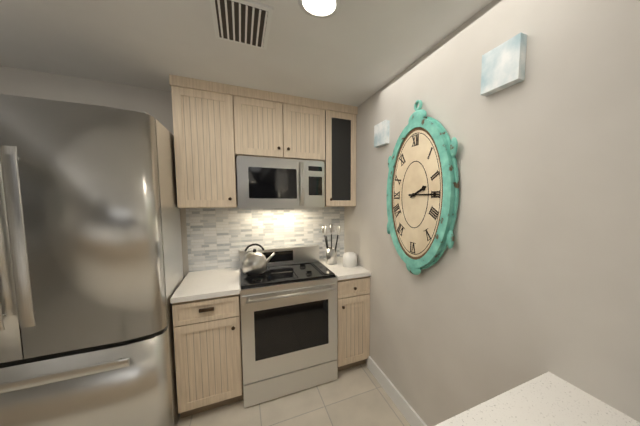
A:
2h15
